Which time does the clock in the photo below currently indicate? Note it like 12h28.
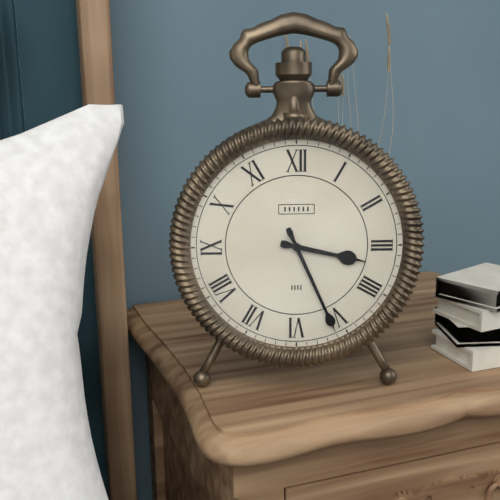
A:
3h26
